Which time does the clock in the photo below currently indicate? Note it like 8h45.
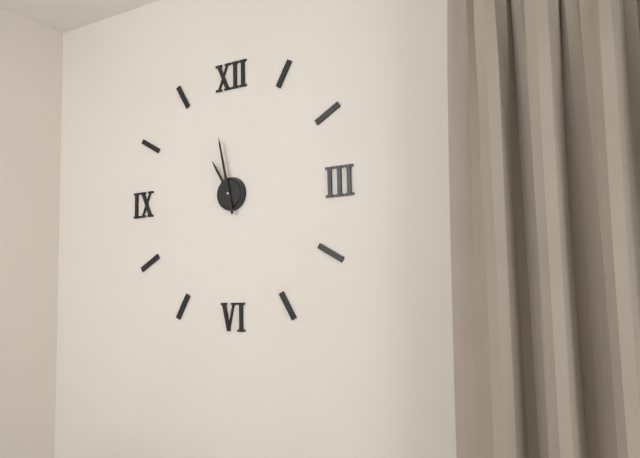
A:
10h58
